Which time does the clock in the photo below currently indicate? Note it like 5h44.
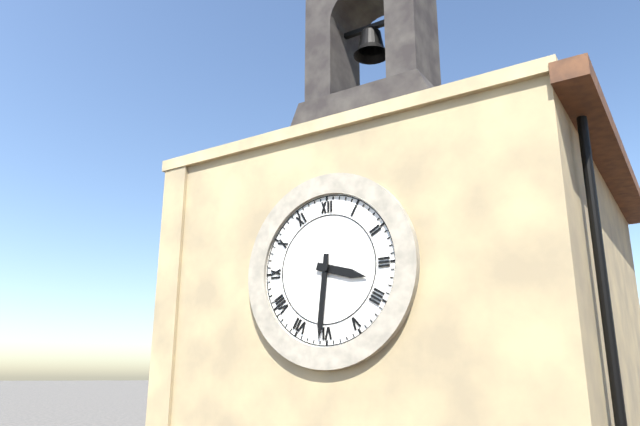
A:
3h31
